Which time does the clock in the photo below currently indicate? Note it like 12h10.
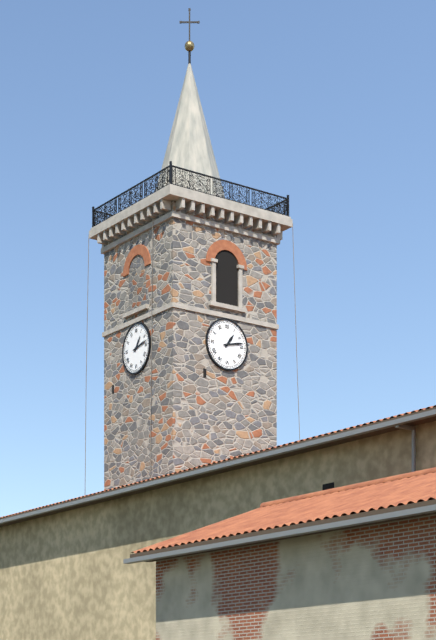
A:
1h13
